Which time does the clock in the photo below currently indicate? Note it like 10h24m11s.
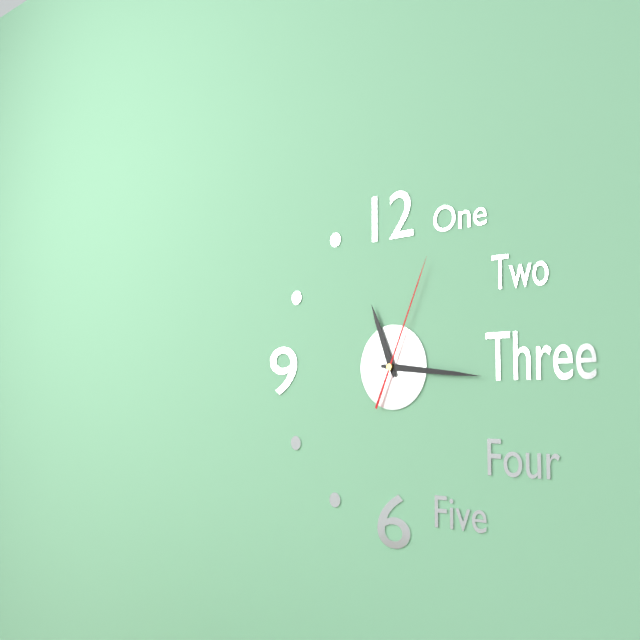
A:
11h16m04s
